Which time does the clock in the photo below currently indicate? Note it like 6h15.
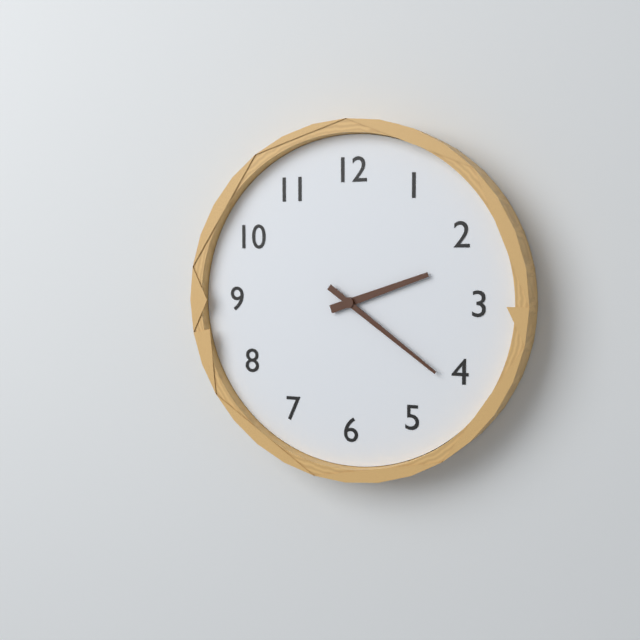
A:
2h21
